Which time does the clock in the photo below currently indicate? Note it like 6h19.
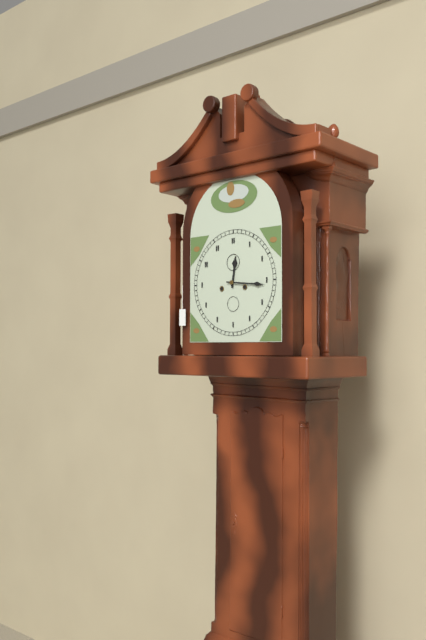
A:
12h16
